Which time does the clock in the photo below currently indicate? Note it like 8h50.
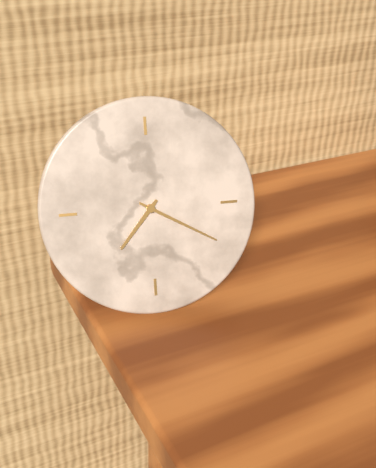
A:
7h20
